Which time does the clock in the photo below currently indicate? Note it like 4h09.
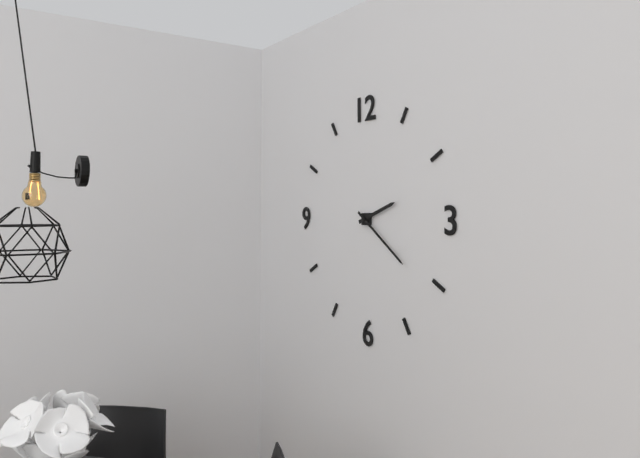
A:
2h21
